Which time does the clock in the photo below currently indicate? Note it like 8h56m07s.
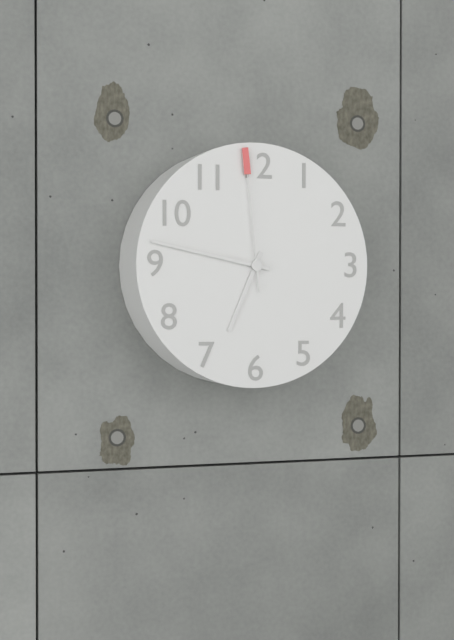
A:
6h47m59s
